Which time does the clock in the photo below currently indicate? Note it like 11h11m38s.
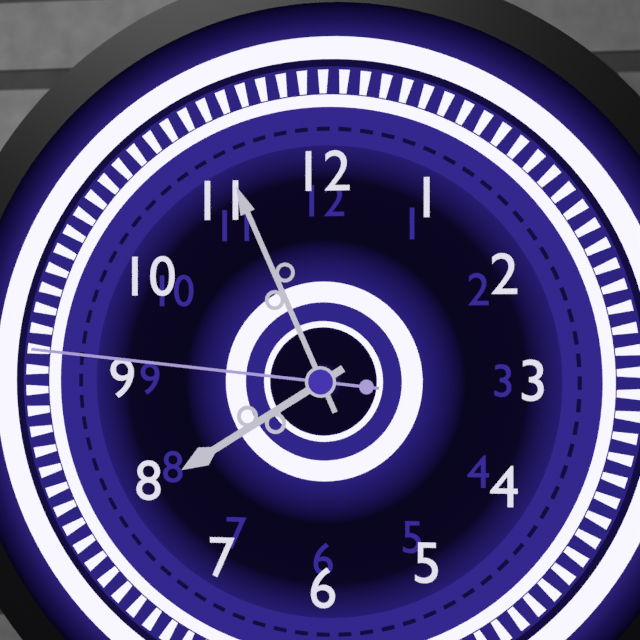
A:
7h56m46s
